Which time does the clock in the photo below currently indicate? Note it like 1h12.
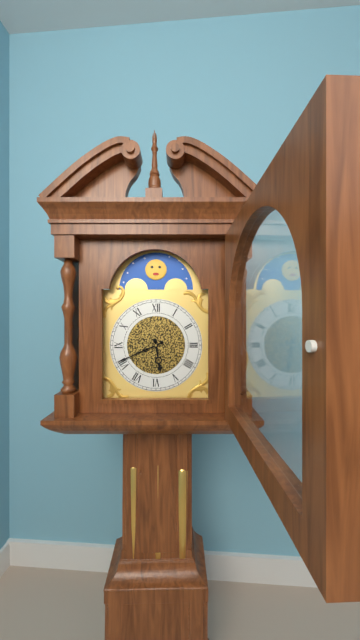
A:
5h41
